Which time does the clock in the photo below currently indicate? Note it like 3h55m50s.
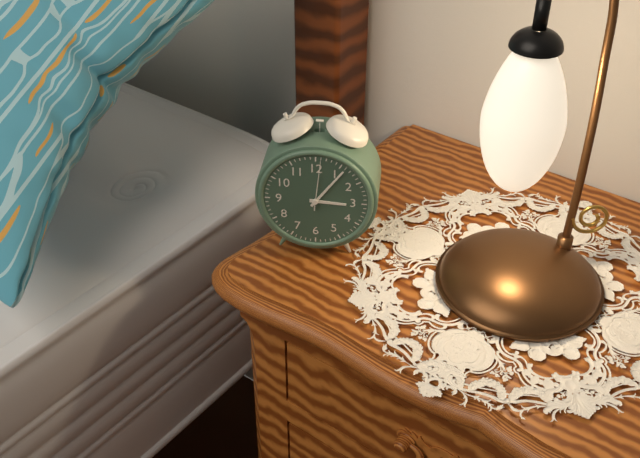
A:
3h06m01s
